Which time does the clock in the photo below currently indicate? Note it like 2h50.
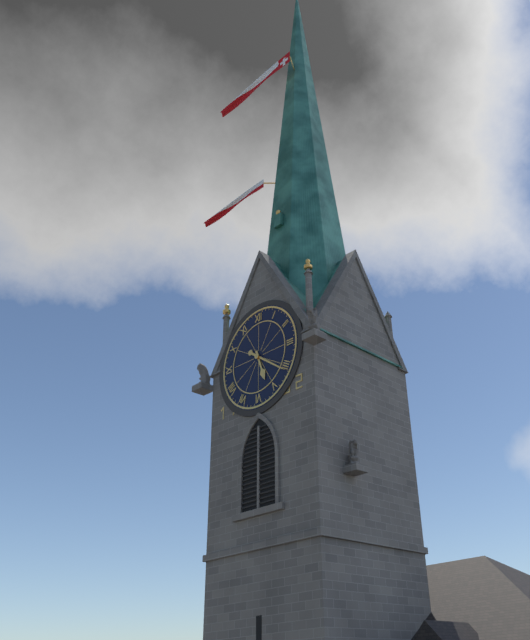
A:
5h21
